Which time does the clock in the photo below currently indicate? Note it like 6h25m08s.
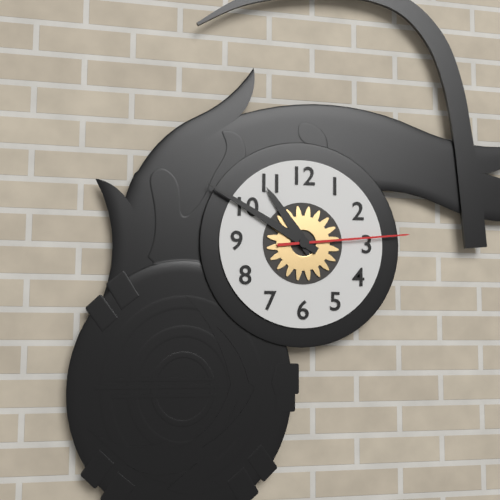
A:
10h50m14s
